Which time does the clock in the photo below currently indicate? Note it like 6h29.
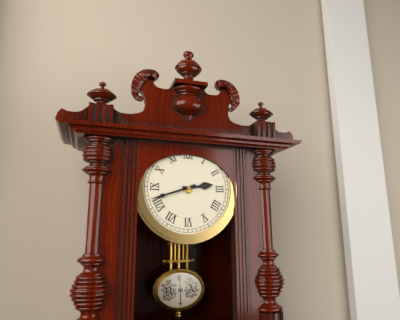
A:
2h42
